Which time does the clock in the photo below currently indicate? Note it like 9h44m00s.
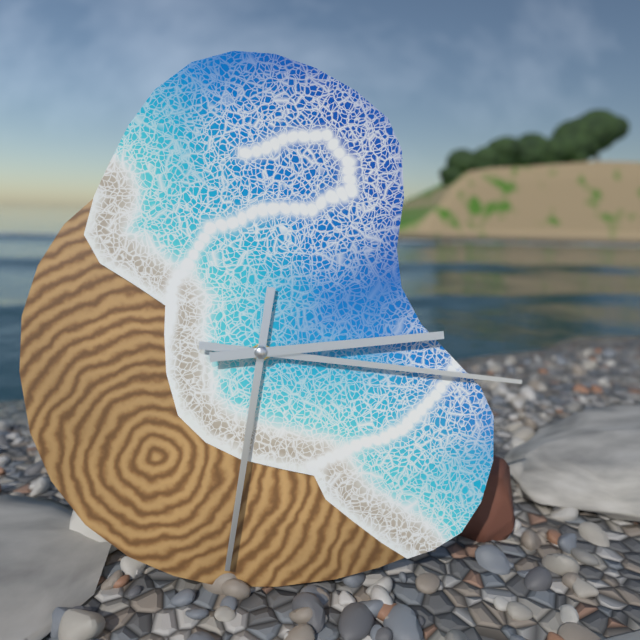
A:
6h16m14s
